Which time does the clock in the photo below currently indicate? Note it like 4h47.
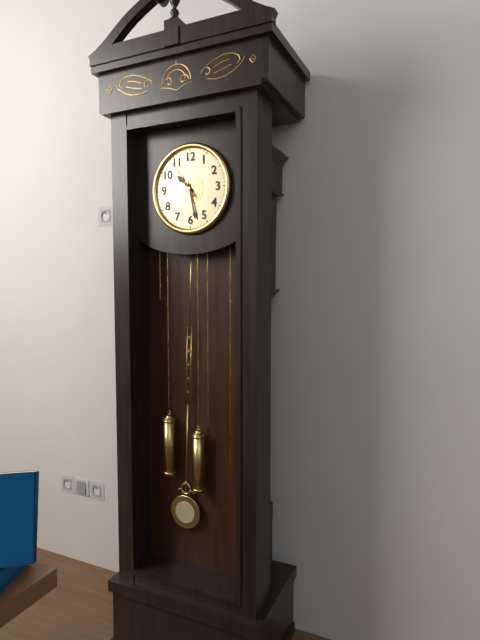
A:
10h28
